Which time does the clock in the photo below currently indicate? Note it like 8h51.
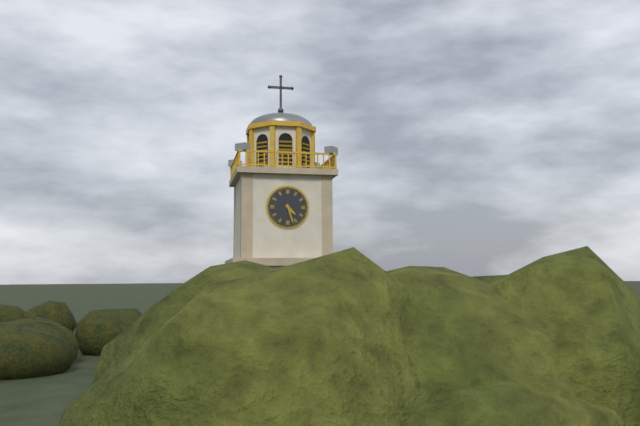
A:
4h27
